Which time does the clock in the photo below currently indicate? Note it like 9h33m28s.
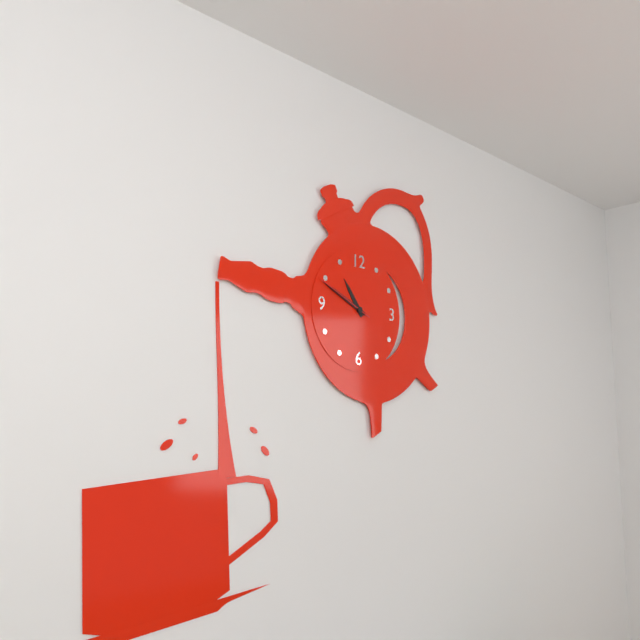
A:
10h49m49s
